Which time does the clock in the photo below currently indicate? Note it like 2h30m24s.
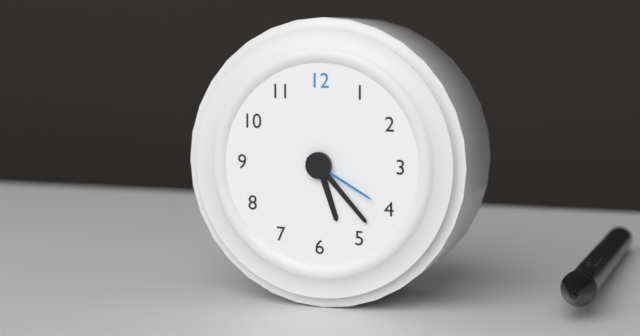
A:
5h23m20s
